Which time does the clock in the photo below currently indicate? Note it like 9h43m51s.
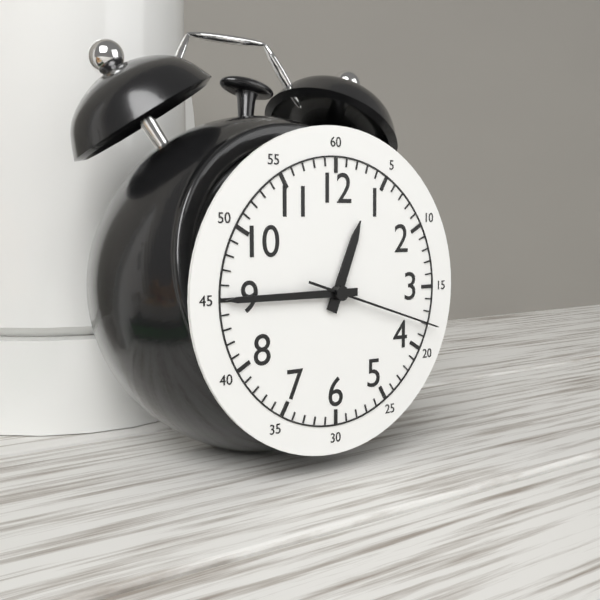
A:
12h45m18s
